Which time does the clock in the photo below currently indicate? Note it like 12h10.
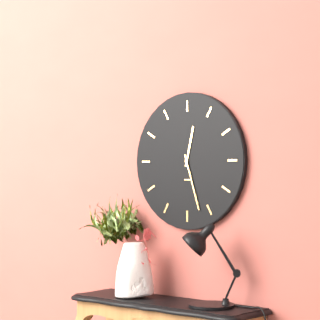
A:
12h27
